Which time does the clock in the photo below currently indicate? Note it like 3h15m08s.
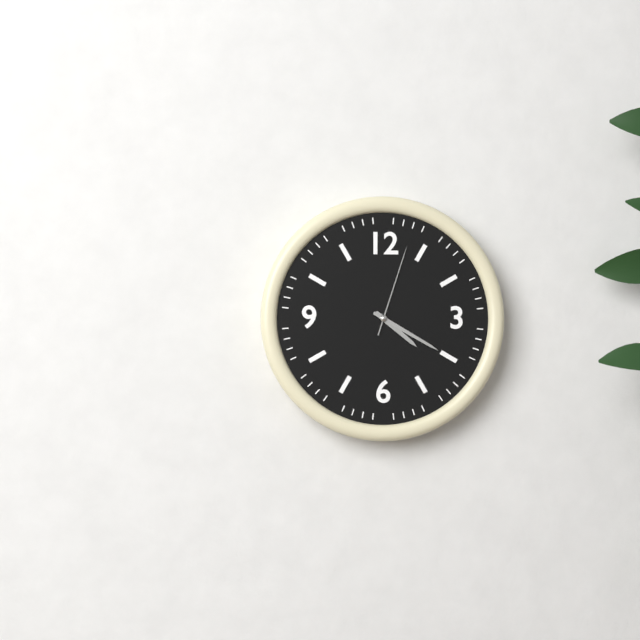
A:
4h20m03s
